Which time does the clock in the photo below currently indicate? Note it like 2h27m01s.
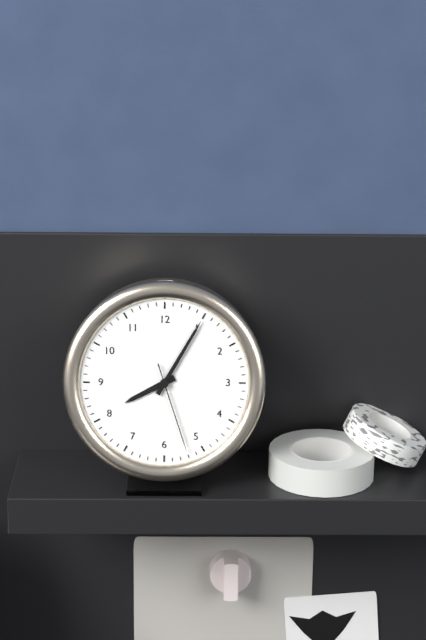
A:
8h05m27s
